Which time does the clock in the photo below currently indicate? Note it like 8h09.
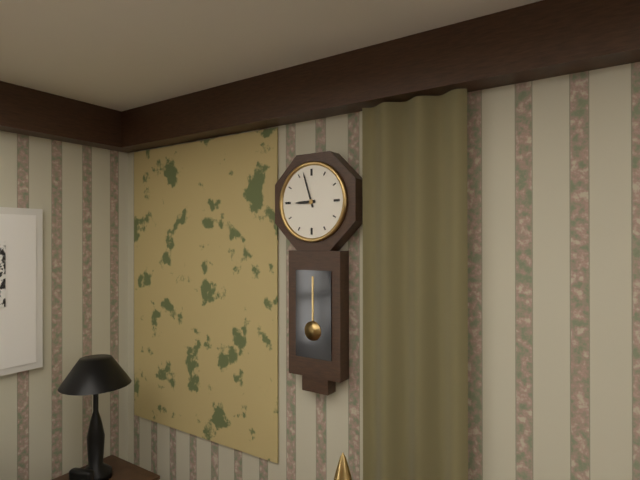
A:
8h57
